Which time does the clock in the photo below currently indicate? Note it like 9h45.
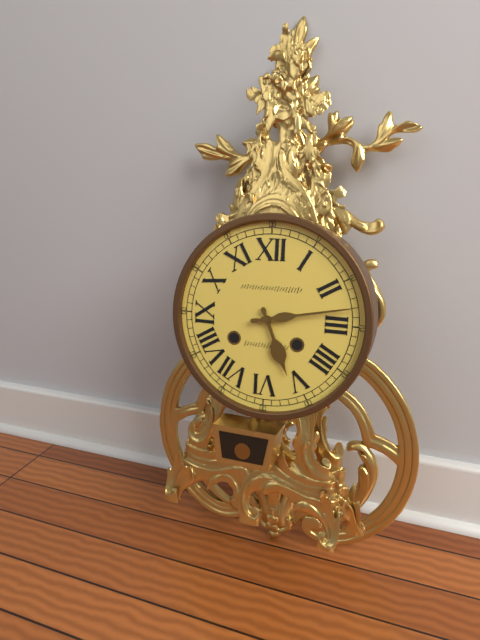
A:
5h13
